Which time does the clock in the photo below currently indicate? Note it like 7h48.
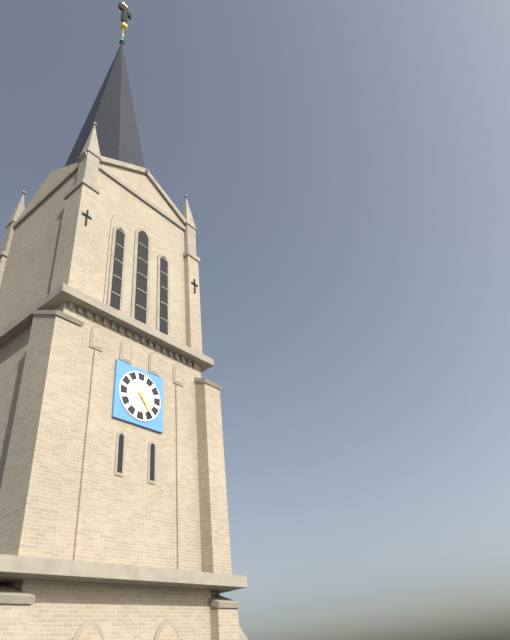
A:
4h24
